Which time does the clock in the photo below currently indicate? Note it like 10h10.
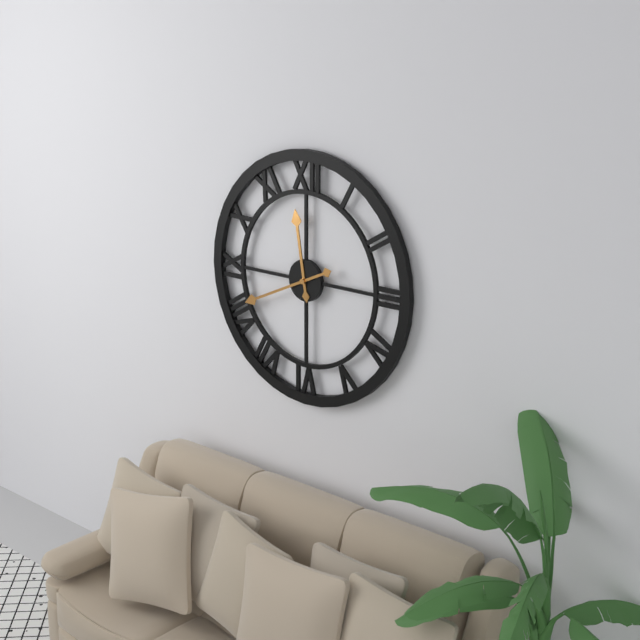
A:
11h41
